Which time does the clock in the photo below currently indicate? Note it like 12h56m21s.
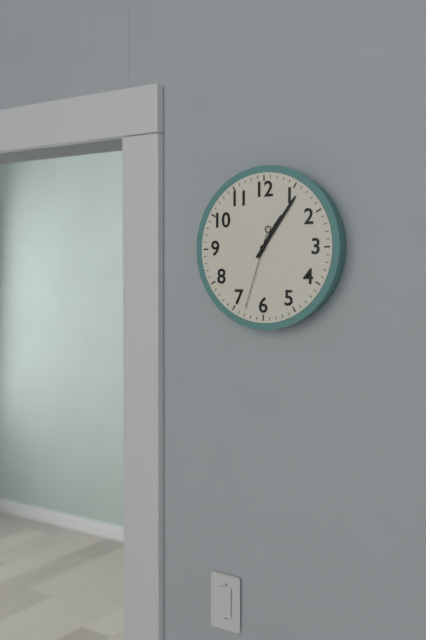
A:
1h06m33s
